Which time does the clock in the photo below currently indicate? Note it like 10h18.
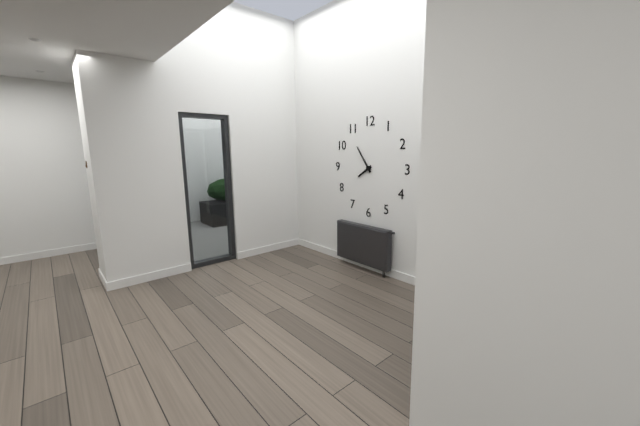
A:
7h54
